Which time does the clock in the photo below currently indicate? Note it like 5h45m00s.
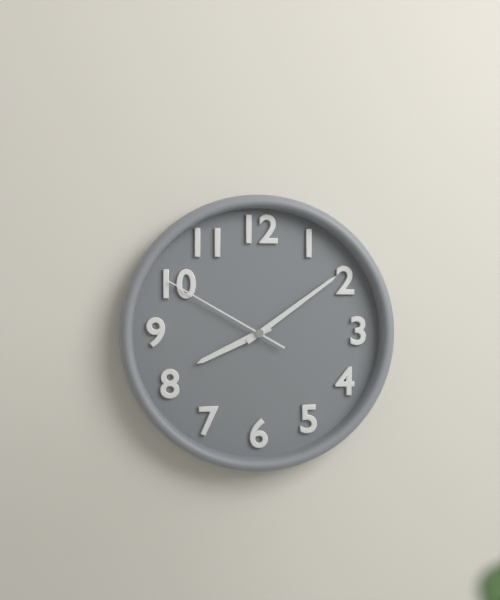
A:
8h09m50s
